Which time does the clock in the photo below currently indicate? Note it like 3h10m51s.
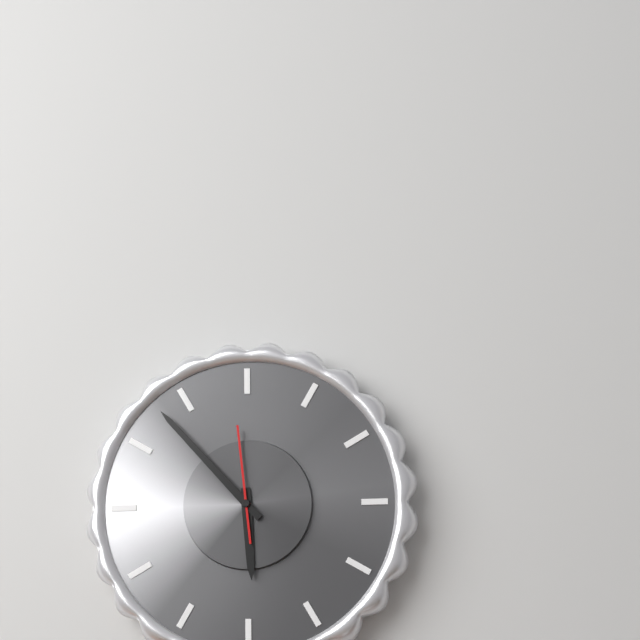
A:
5h53m59s
